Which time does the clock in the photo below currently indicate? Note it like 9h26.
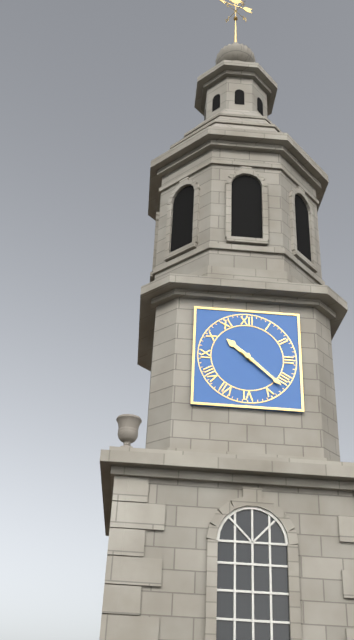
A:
10h22
